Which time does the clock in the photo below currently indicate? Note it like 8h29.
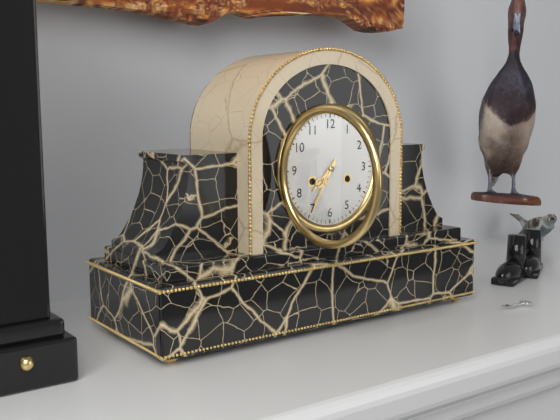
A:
7h35
